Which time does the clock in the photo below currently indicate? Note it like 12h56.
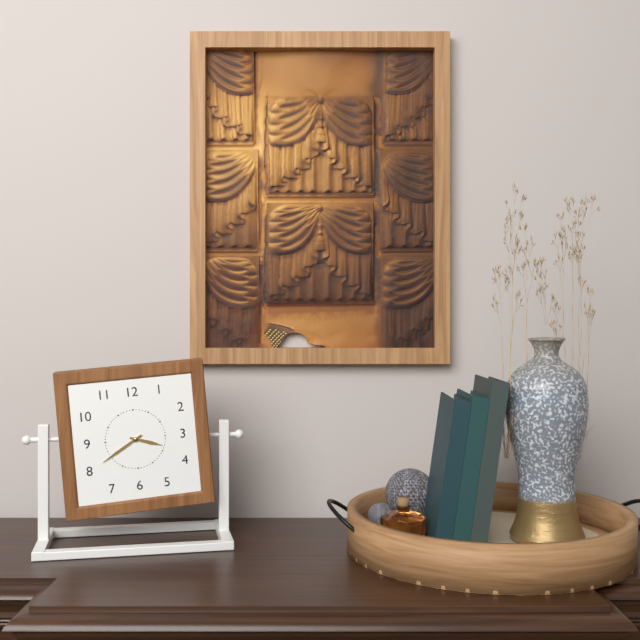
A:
3h40
